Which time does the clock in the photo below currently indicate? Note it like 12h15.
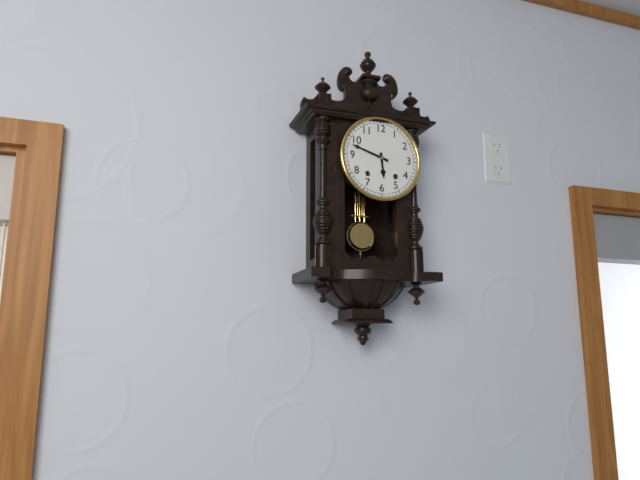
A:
5h48
